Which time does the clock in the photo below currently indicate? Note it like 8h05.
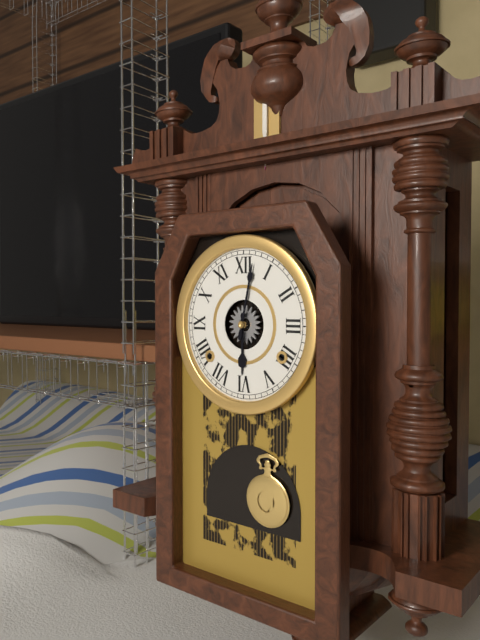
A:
6h02
